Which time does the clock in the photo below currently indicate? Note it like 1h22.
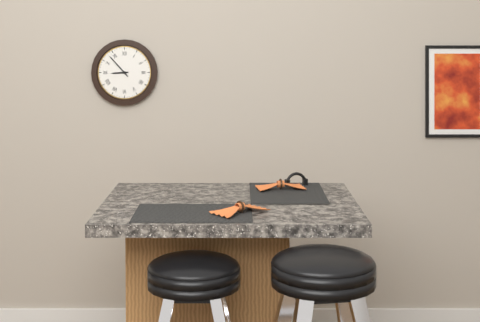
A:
8h53
